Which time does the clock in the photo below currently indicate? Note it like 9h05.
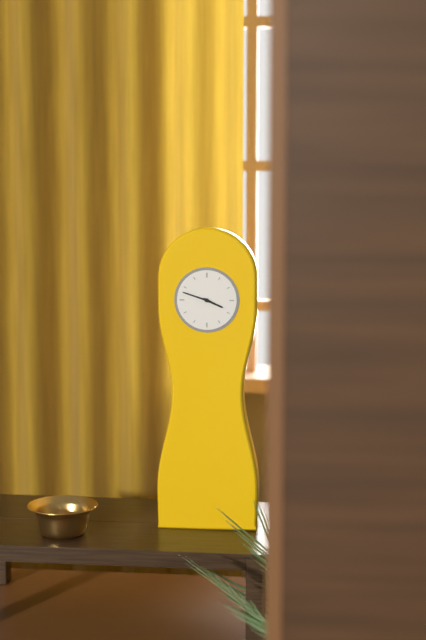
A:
3h48
